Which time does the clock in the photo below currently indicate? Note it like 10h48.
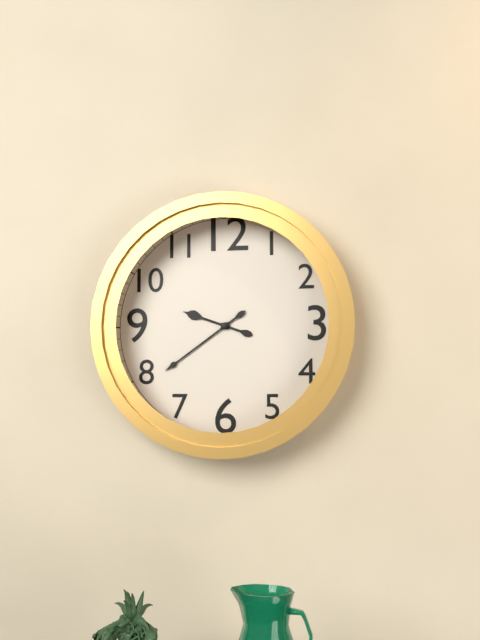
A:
9h39
